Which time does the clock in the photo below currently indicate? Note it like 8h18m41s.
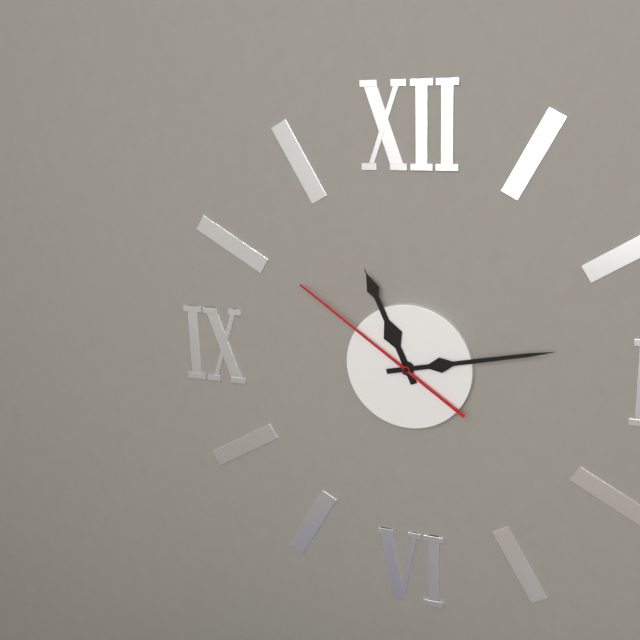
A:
11h13m51s
